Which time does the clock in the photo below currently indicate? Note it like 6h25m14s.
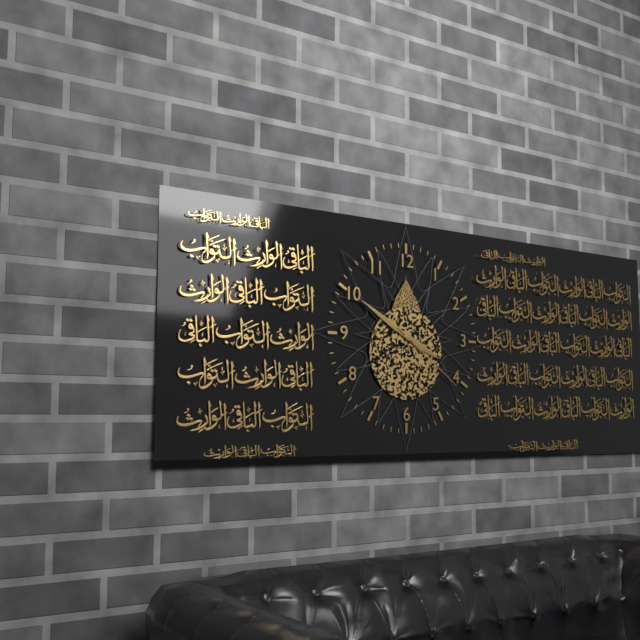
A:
3h50m21s
